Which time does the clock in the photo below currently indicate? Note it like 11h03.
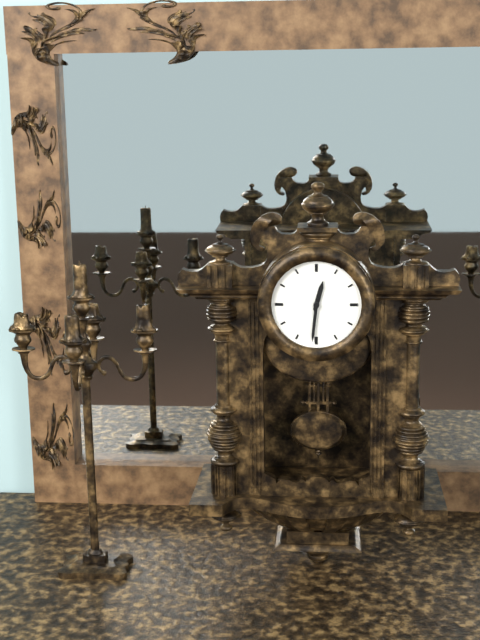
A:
12h31
